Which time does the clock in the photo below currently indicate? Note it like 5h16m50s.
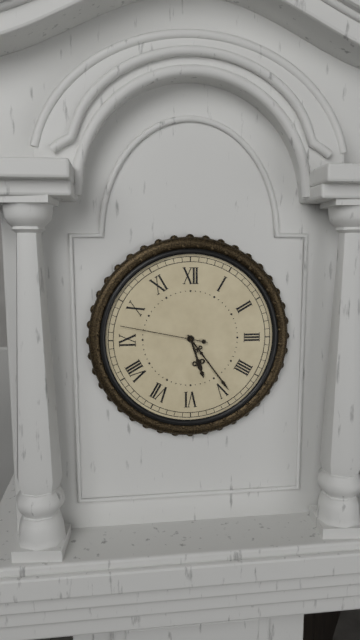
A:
5h24m47s
